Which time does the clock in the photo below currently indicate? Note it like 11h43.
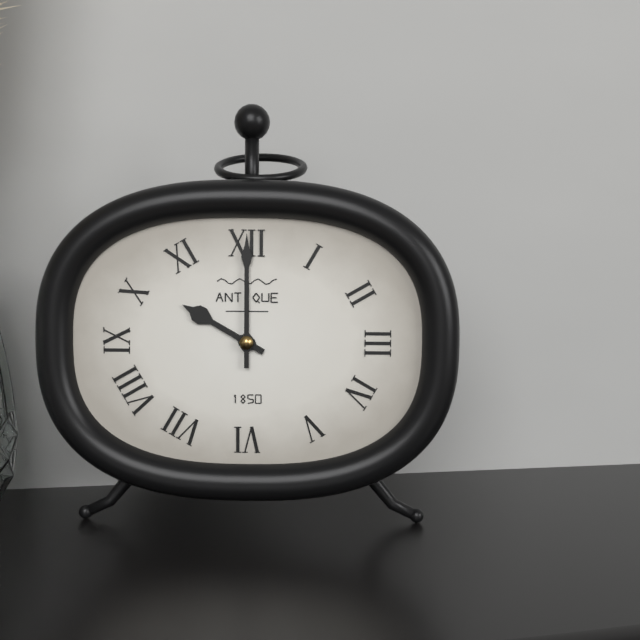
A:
10h00
